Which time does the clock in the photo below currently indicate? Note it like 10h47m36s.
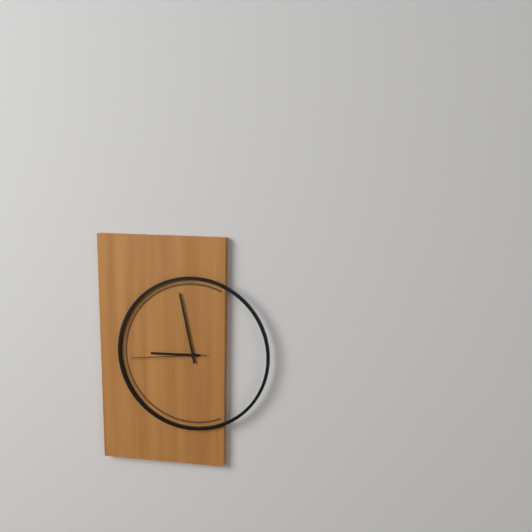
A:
8h58m44s
